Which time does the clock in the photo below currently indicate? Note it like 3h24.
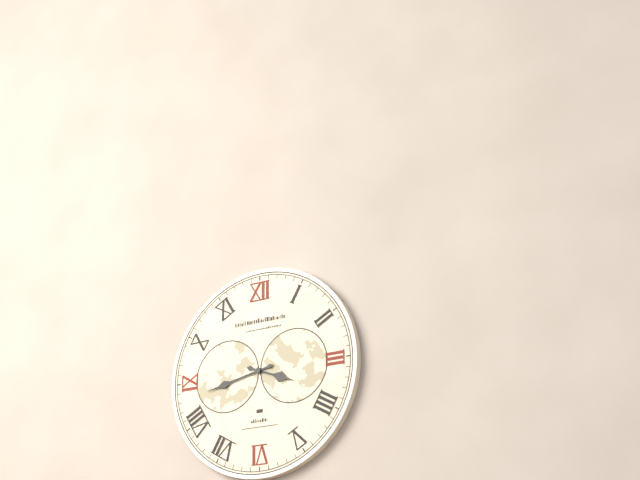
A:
3h43
